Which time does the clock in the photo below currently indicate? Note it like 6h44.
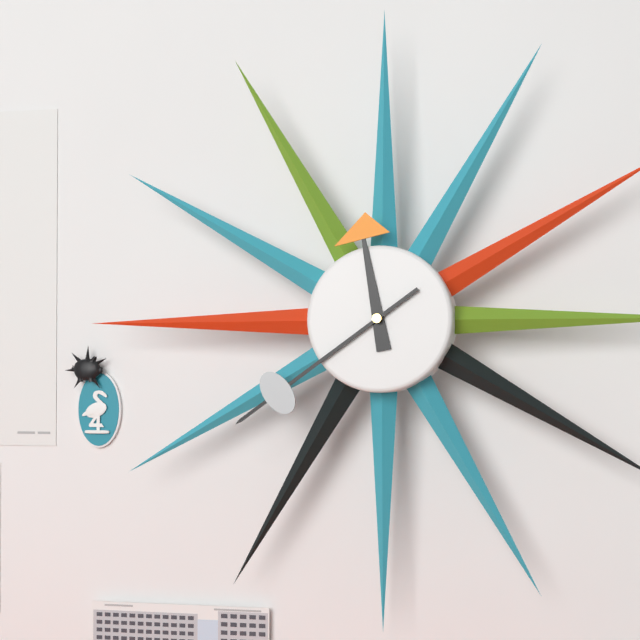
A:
11h39
